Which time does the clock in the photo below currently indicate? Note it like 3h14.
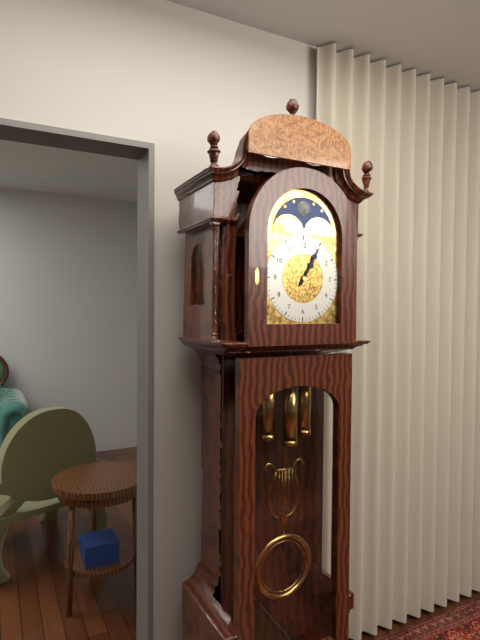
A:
1h05
